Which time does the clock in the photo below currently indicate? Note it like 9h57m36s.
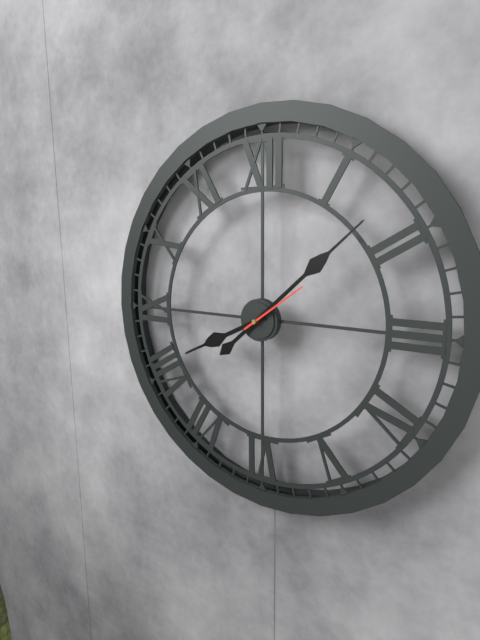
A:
8h08m09s
